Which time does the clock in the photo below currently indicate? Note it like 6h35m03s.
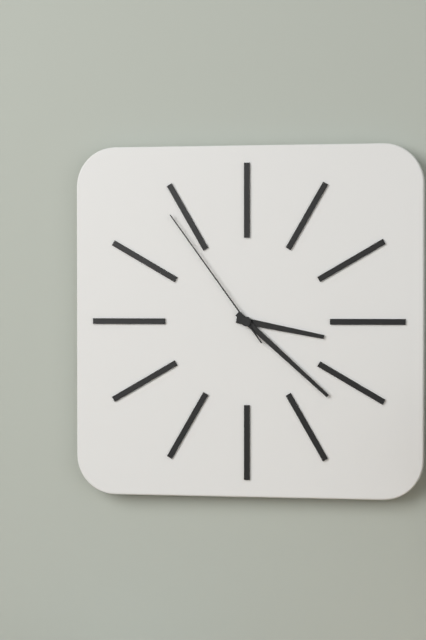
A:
3h22m54s
